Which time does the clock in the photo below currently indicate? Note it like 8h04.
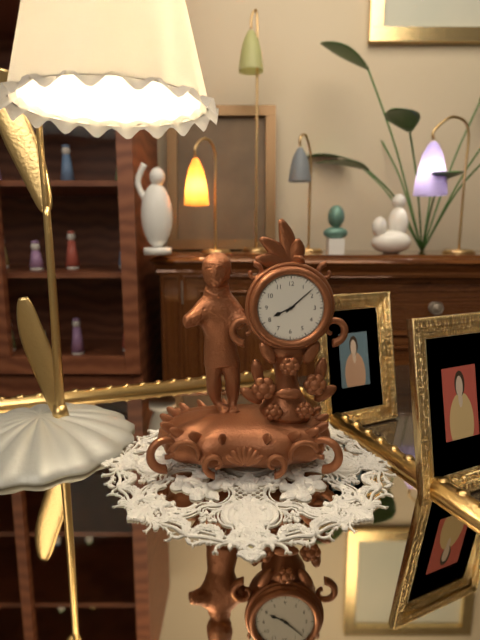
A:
8h08
